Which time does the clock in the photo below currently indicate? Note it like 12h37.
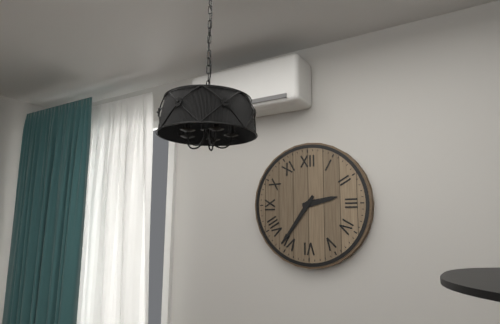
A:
2h36
